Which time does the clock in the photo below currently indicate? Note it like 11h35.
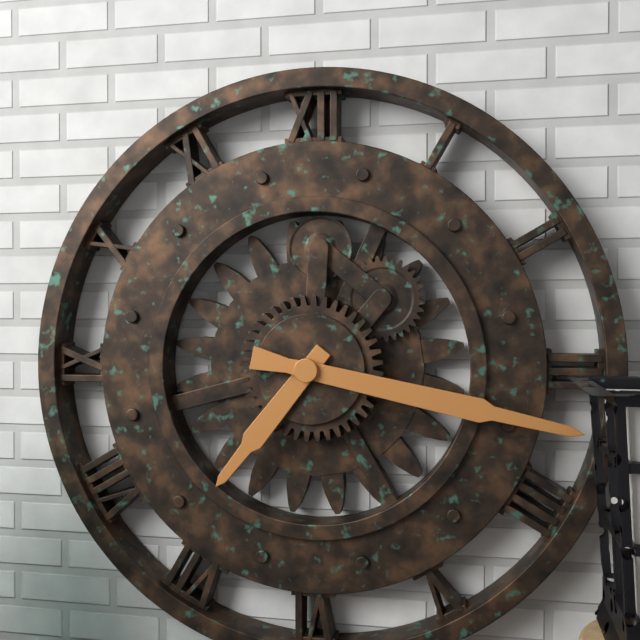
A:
7h17
